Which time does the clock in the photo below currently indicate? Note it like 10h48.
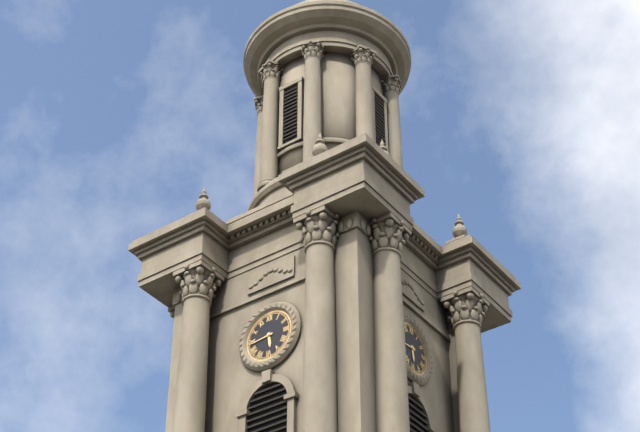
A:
5h44
